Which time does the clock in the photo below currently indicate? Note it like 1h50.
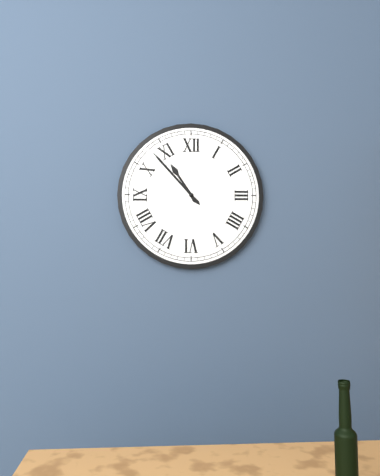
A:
10h53
